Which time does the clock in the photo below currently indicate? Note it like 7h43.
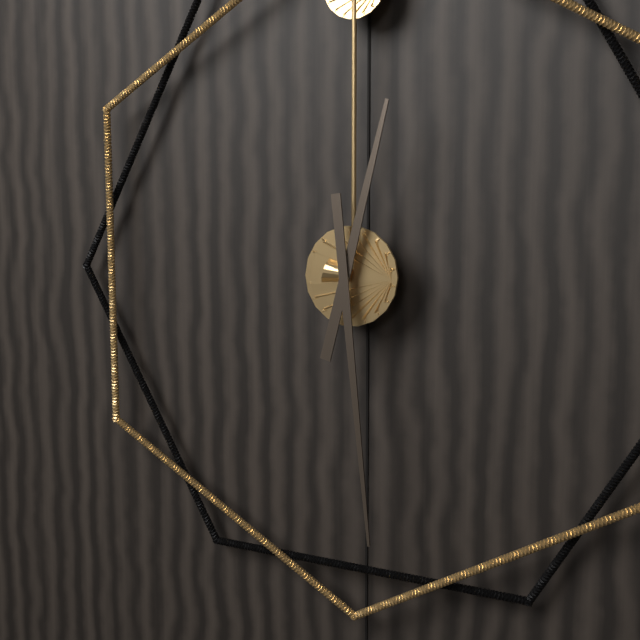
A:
12h29
